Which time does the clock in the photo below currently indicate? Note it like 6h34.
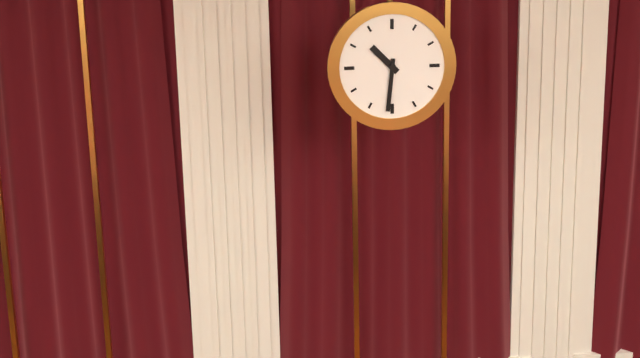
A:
10h31
